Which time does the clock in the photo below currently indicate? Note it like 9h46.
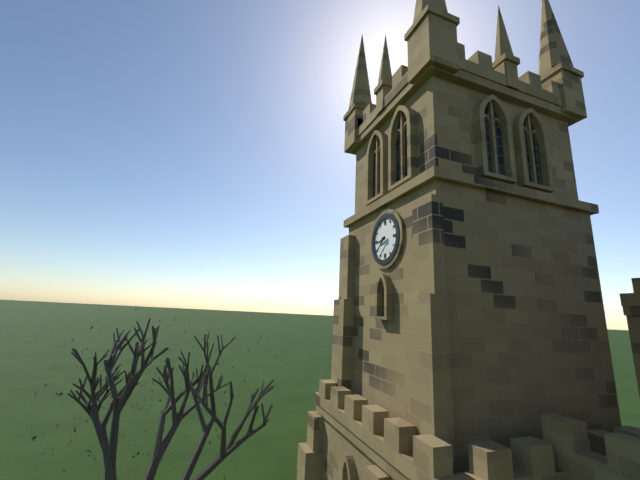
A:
8h38
